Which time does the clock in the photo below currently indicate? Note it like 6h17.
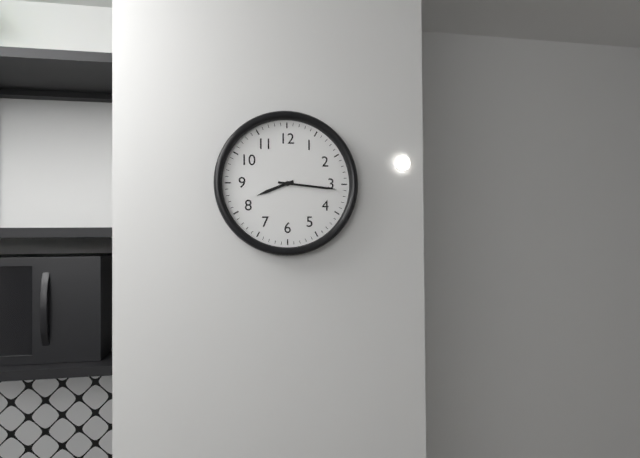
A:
8h16
